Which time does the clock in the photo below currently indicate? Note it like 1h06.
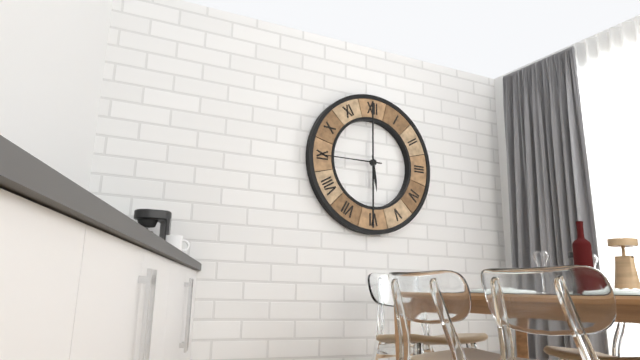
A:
5h45
